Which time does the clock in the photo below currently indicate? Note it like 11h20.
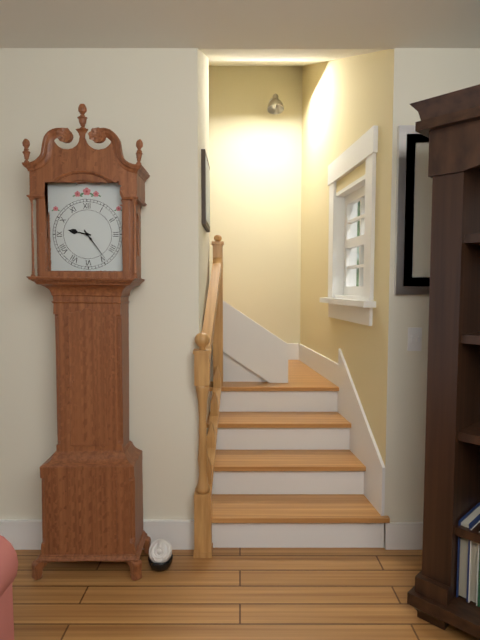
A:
9h24
